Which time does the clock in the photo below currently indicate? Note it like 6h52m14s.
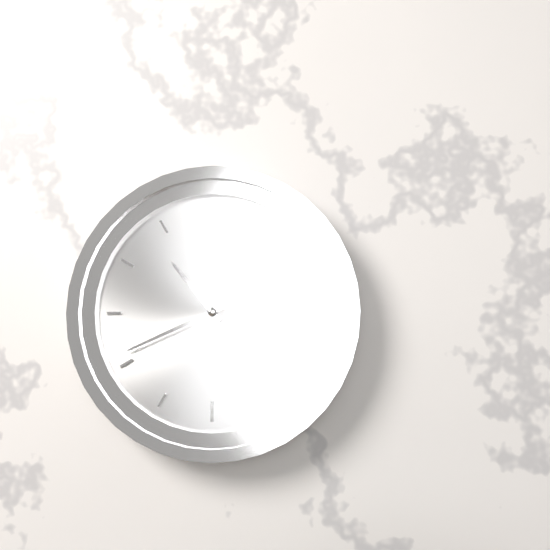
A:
10h41m05s
